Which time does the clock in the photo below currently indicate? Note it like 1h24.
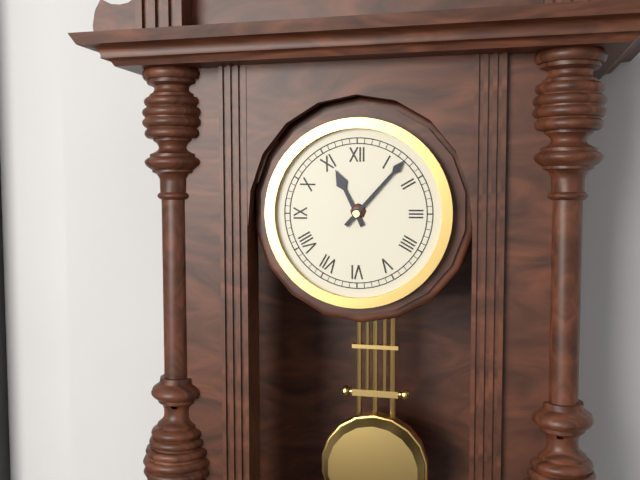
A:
11h07
